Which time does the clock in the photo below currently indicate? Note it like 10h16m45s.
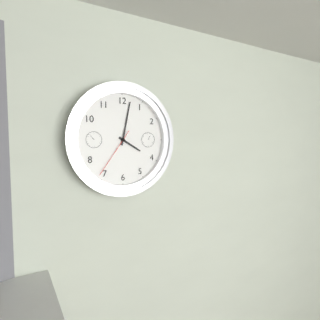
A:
4h02m36s
